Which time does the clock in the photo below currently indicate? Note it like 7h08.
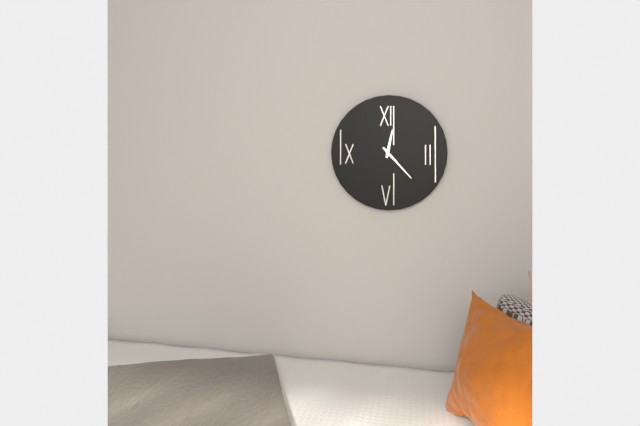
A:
12h23
